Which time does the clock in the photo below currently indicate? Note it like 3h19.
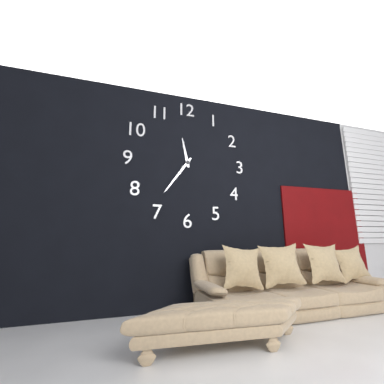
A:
11h36
